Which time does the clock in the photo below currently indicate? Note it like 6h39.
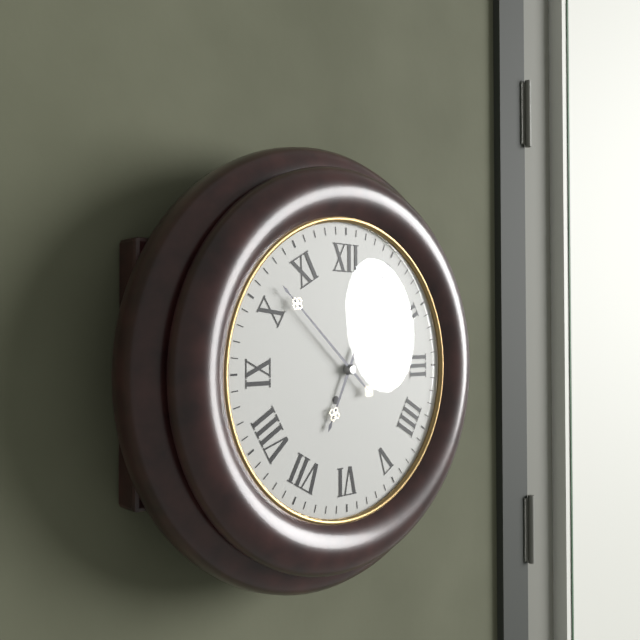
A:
6h52
